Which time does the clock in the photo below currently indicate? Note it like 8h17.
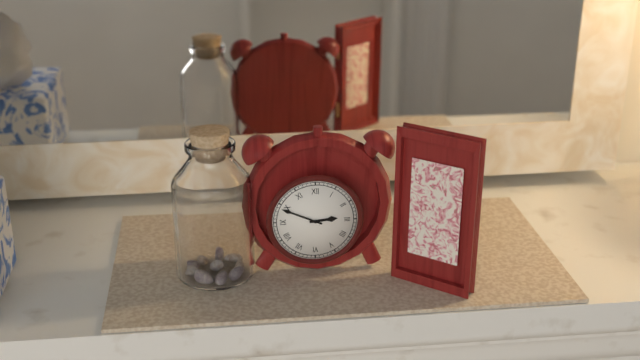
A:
2h49
